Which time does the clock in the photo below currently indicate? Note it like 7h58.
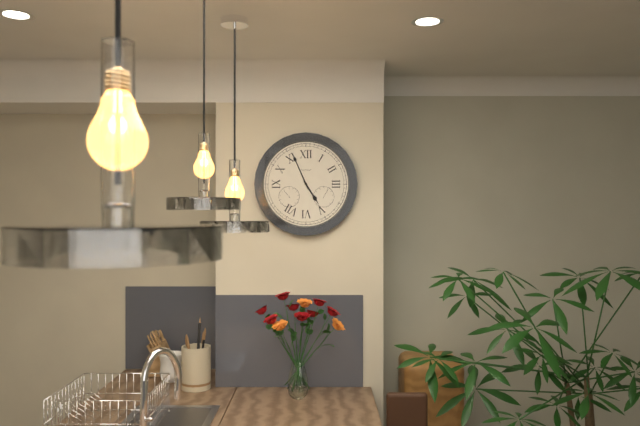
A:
4h56
